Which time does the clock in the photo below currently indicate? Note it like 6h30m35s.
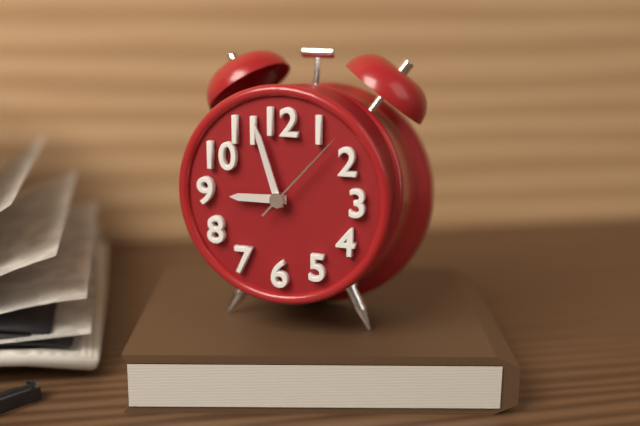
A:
8h57m07s
